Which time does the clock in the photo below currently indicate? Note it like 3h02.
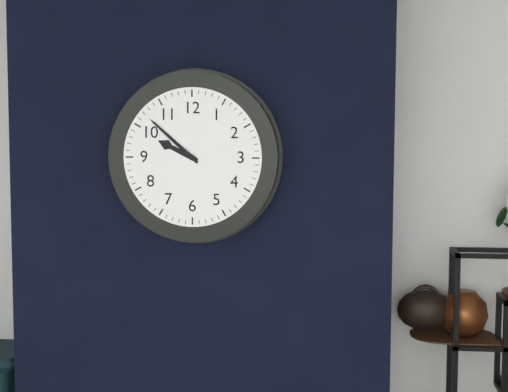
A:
9h52
